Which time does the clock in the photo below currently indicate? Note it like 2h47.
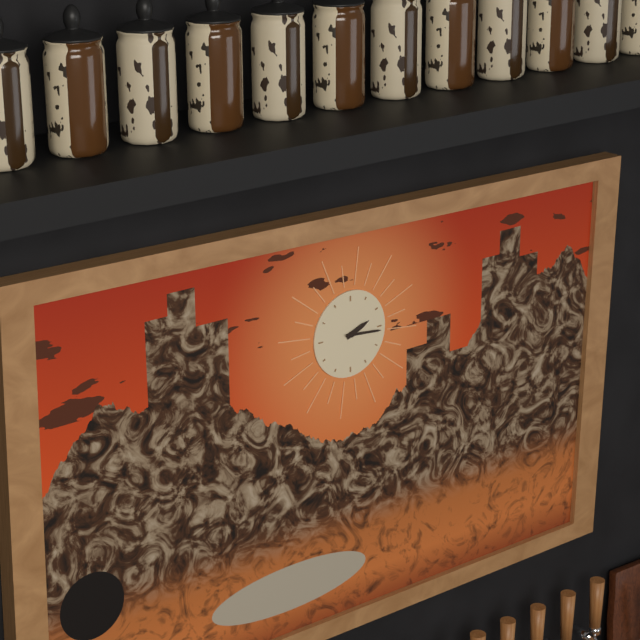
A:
2h16
